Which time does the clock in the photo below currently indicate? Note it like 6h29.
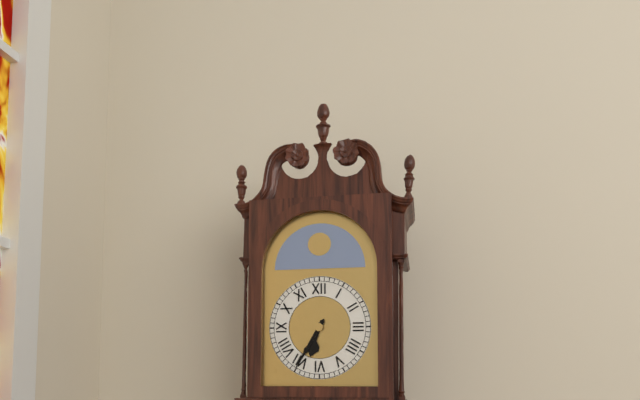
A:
6h35
